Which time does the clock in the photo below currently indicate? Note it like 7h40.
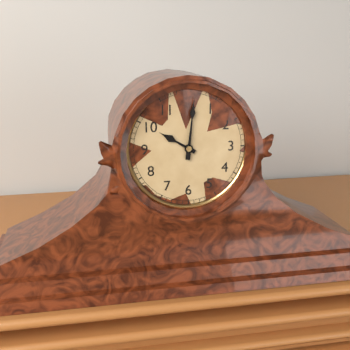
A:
10h01
